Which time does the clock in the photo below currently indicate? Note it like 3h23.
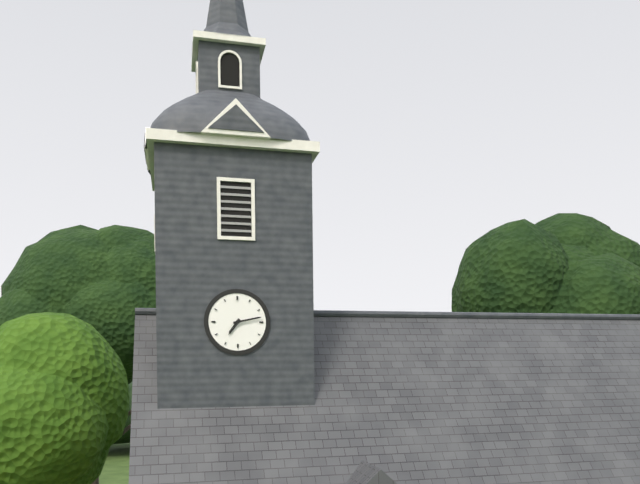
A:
7h13
